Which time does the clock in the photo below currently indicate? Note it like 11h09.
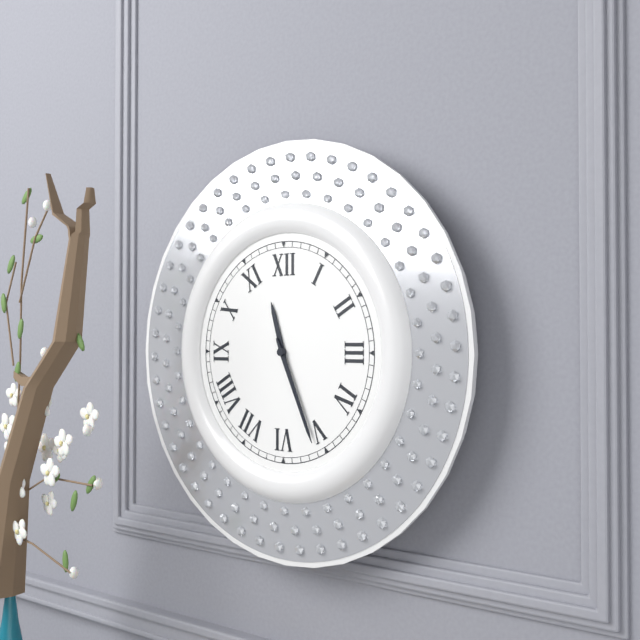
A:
11h26
